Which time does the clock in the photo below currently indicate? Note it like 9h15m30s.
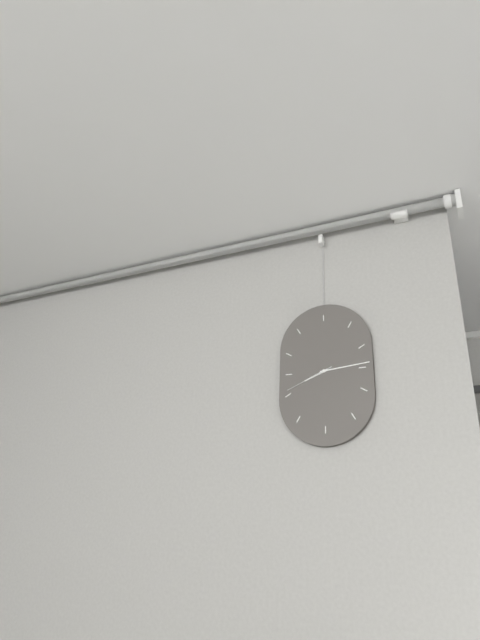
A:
8h14m41s
